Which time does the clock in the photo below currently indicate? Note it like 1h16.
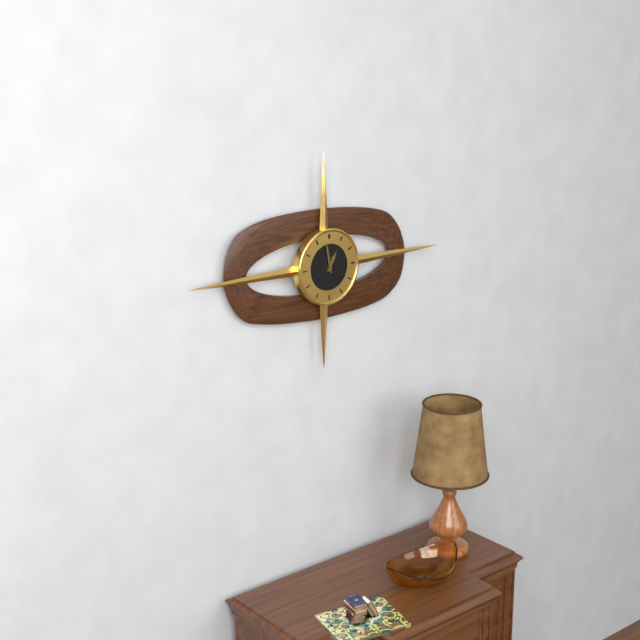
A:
12h58
